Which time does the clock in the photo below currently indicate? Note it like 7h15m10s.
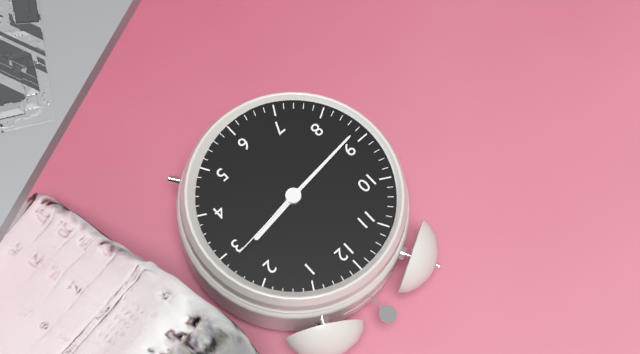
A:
2h44m14s
